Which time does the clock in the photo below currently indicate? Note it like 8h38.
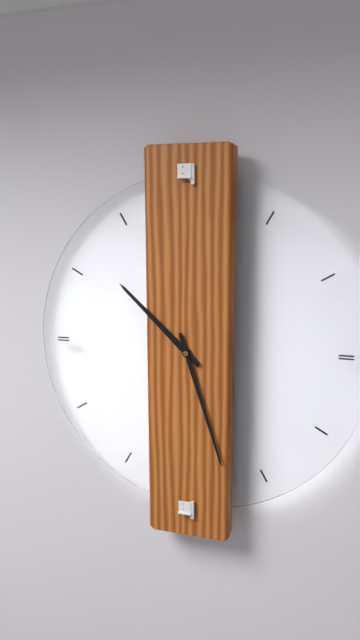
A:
10h27
